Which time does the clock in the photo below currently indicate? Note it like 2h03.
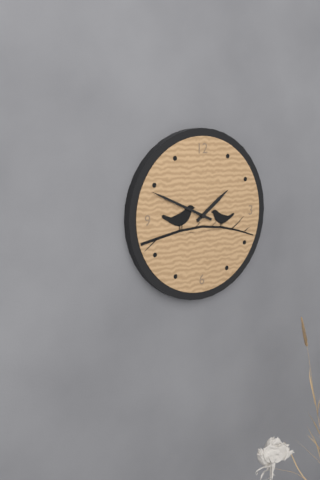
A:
1h49
